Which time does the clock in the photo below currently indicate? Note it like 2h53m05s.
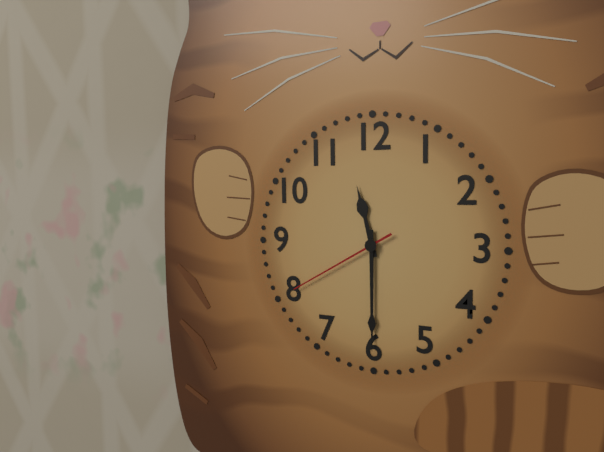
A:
11h30m40s
